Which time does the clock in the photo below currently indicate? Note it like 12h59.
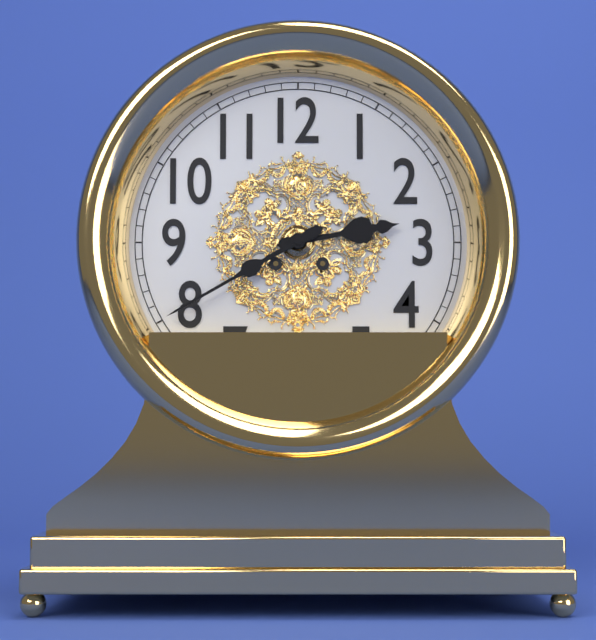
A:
2h40
